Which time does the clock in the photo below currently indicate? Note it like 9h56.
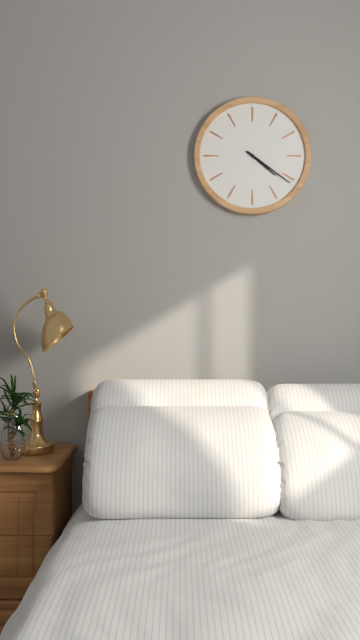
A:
4h21
